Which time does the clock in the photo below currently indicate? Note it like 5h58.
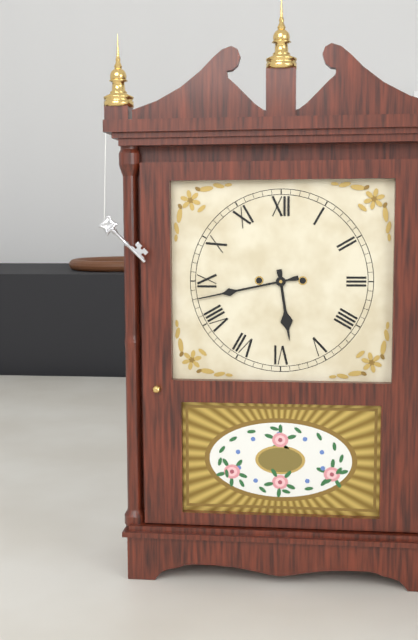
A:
5h43
